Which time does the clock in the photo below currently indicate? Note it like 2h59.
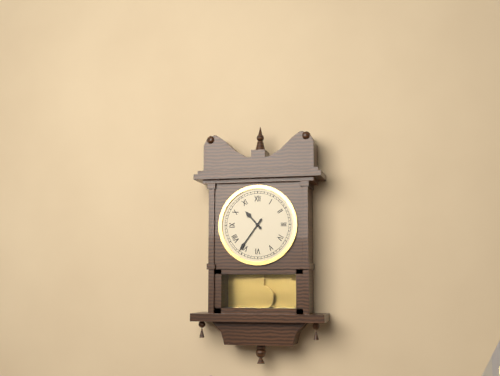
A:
10h36
